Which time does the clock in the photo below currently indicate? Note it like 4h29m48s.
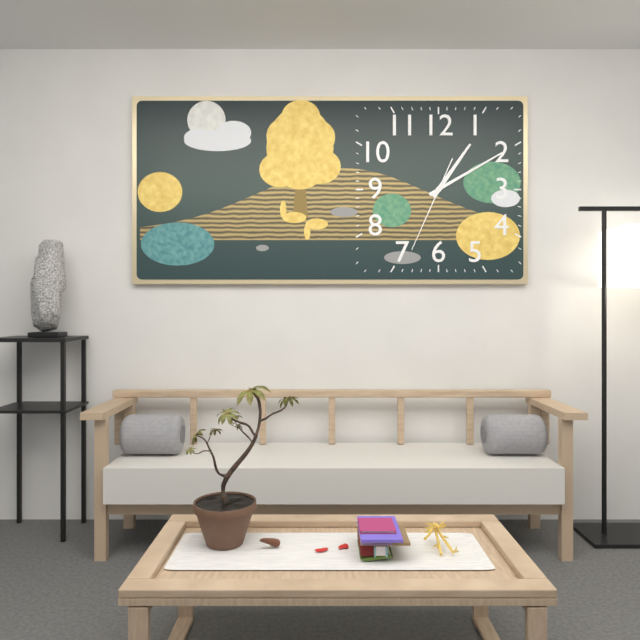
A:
1h10m34s
